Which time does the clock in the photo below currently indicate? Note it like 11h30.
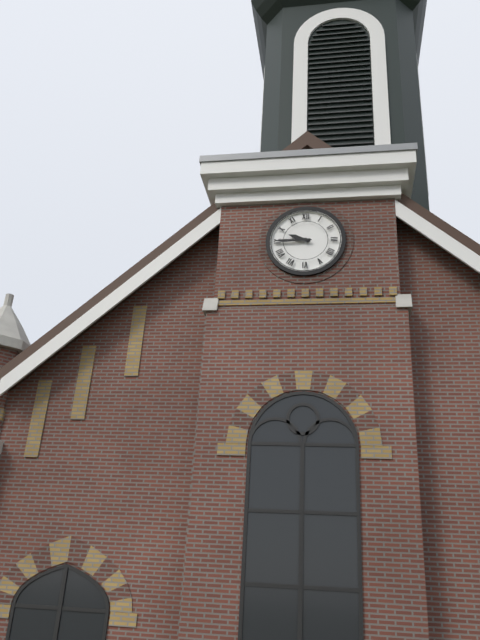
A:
9h45
